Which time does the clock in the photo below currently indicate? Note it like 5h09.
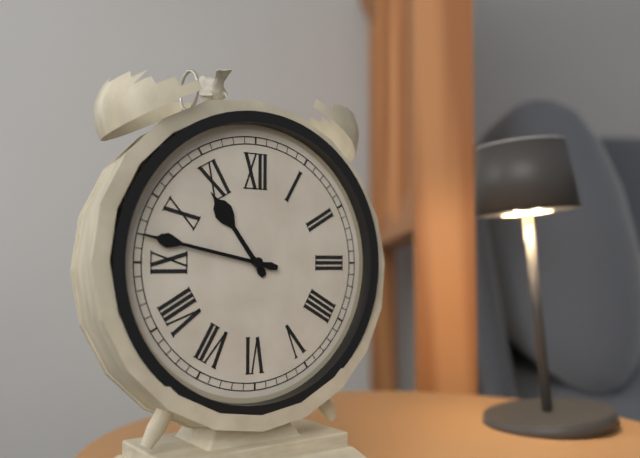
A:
10h47
